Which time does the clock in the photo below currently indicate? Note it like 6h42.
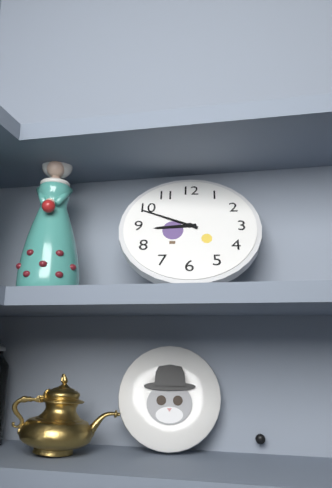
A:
8h49
